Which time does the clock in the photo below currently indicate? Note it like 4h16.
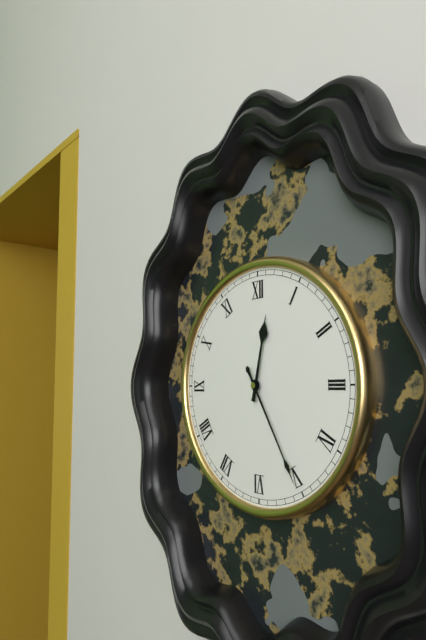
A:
12h25
